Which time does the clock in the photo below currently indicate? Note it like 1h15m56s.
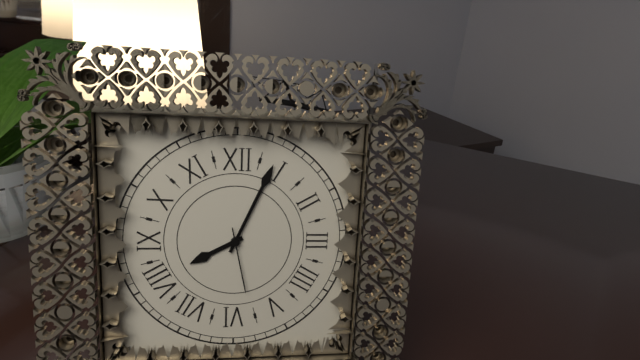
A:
8h04m28s
